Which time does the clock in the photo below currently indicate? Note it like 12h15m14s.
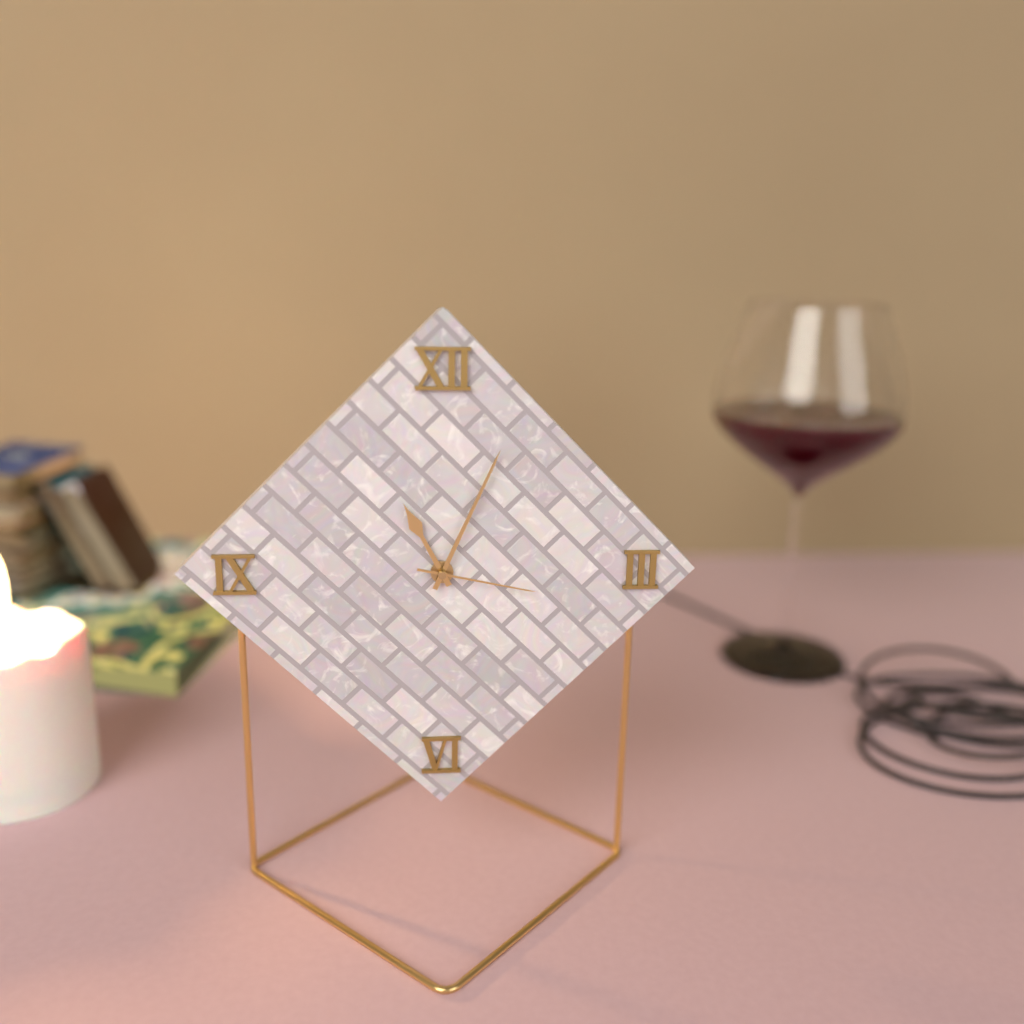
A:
11h04m17s
